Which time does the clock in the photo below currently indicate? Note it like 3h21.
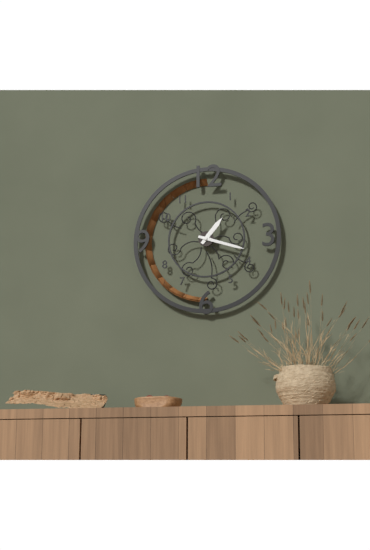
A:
1h18
